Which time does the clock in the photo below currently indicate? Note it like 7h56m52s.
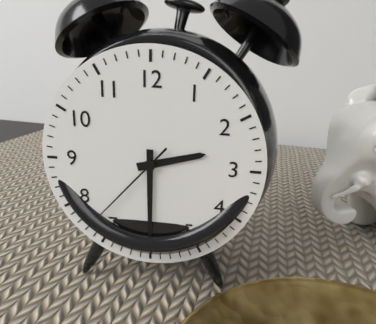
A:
2h30m37s
